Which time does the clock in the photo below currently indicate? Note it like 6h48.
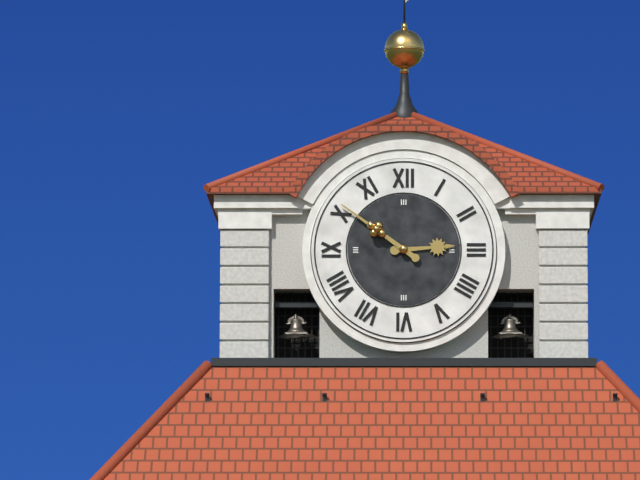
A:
2h51
